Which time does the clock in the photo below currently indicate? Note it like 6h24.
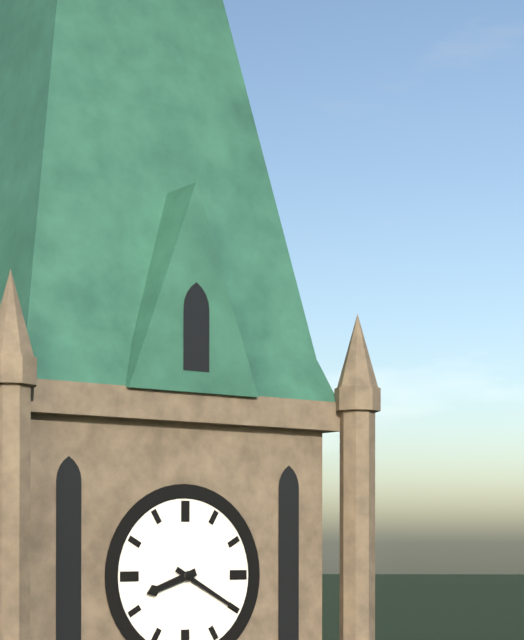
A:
8h20
